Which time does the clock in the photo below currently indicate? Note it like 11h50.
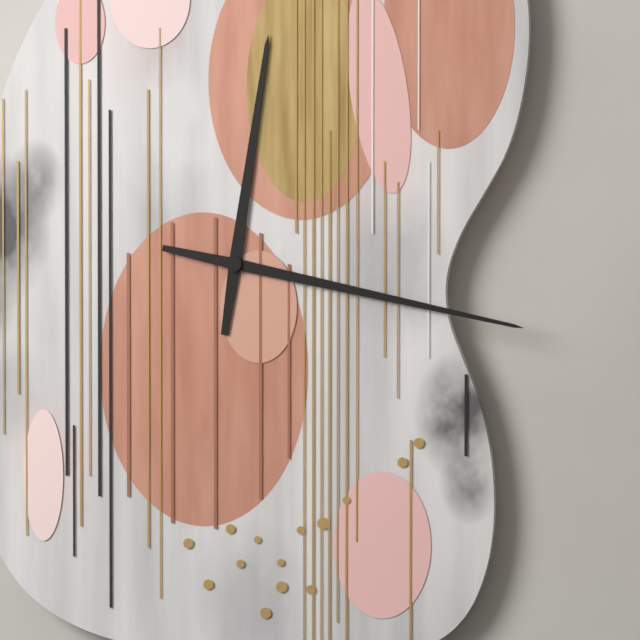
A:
12h17
